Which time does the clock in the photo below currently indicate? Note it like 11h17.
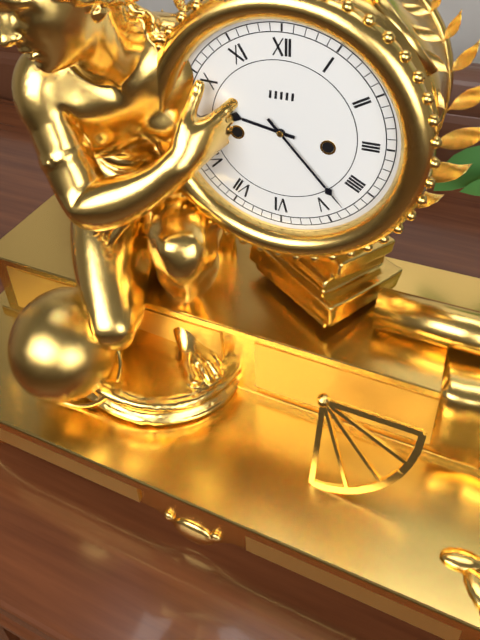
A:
9h23
